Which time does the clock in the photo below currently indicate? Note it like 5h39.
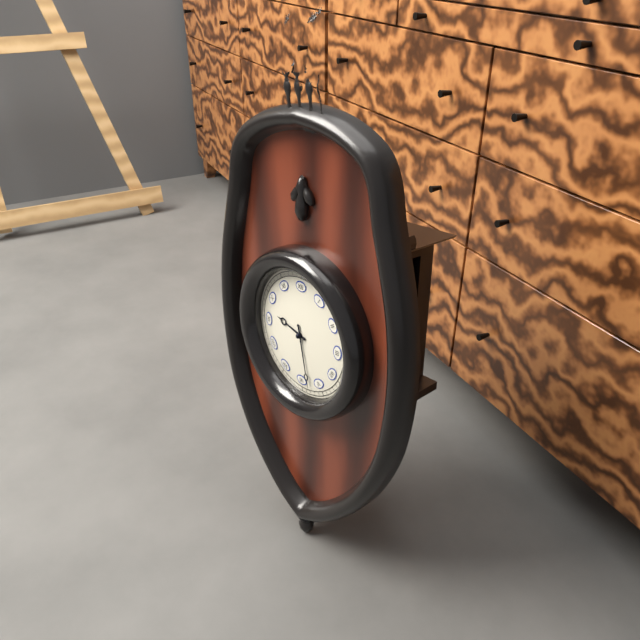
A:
9h28
